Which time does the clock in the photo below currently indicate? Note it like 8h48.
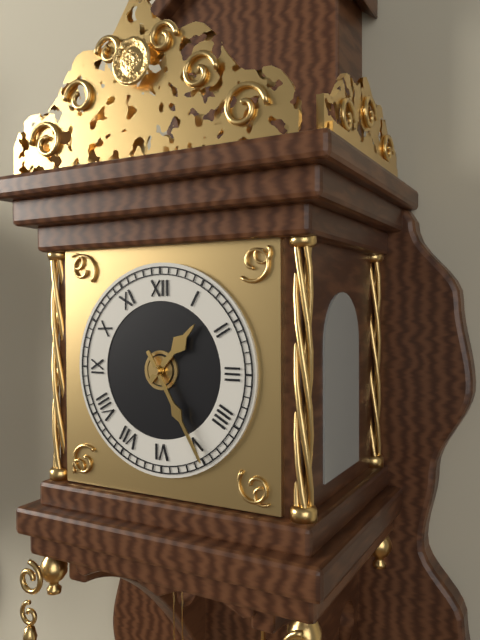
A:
1h25
